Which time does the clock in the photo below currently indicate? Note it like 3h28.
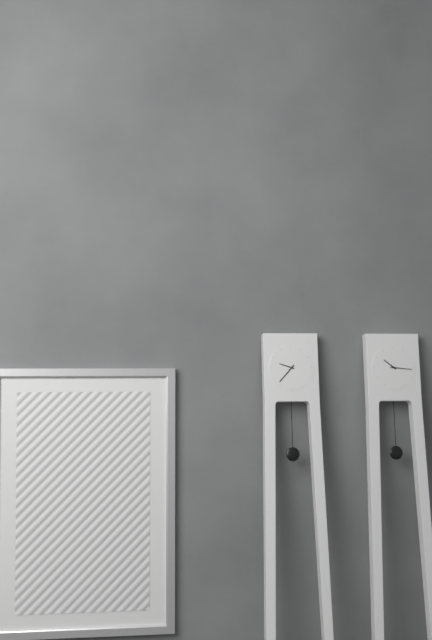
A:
9h37
